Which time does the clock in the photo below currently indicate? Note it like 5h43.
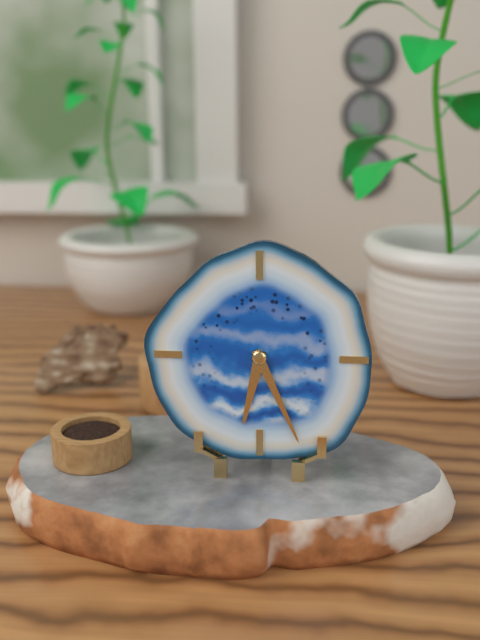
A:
6h26
